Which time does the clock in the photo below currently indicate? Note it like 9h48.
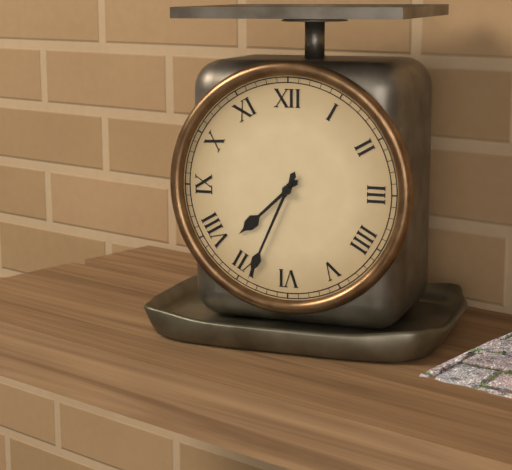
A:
7h34
